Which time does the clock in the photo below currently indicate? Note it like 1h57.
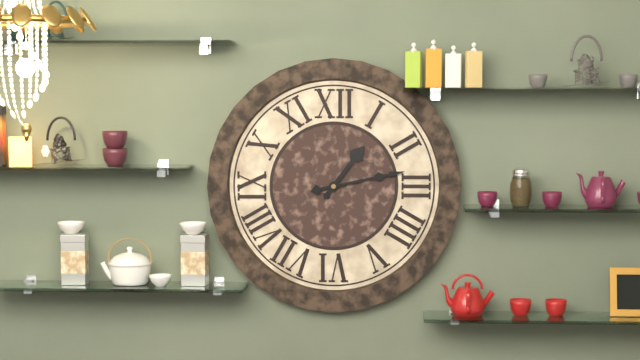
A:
1h13
